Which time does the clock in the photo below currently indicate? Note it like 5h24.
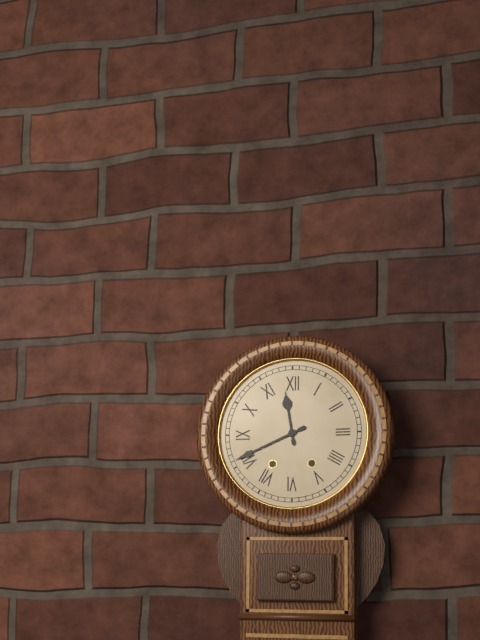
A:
11h41
